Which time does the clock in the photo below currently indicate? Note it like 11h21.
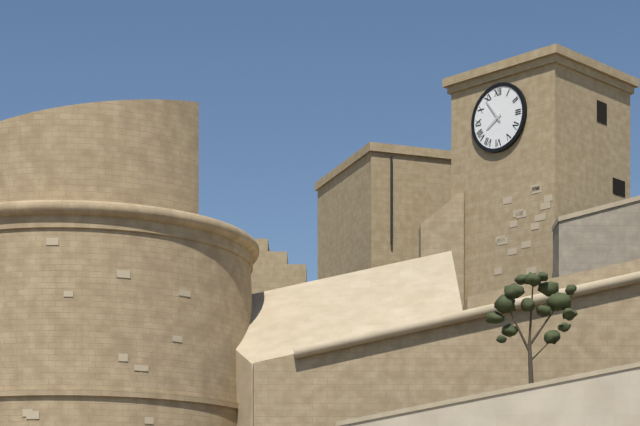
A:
7h54
